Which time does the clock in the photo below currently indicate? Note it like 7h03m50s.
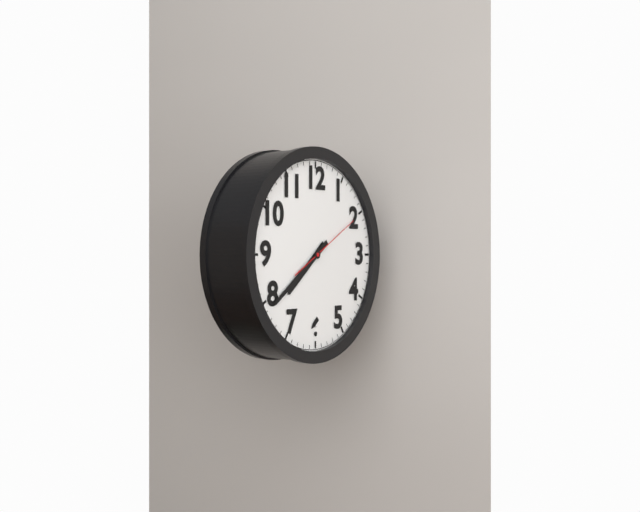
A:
7h39m10s
